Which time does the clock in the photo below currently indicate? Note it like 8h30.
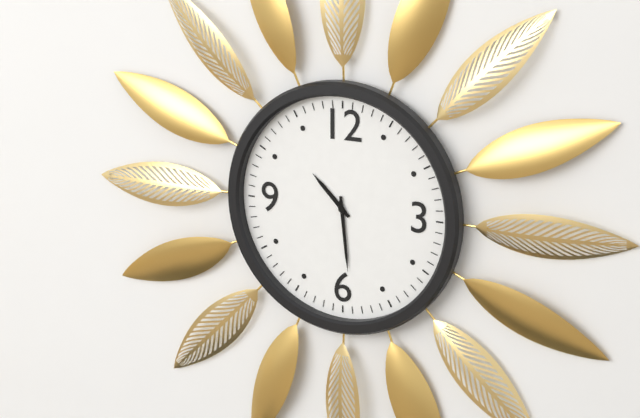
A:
10h29
